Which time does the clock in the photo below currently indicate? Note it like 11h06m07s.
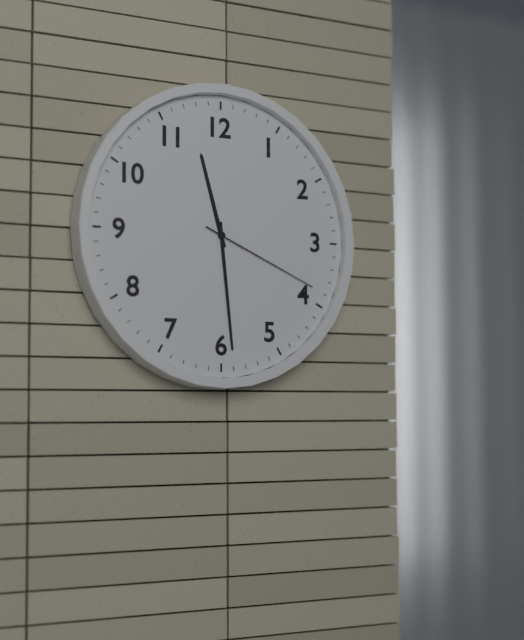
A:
11h29m19s
